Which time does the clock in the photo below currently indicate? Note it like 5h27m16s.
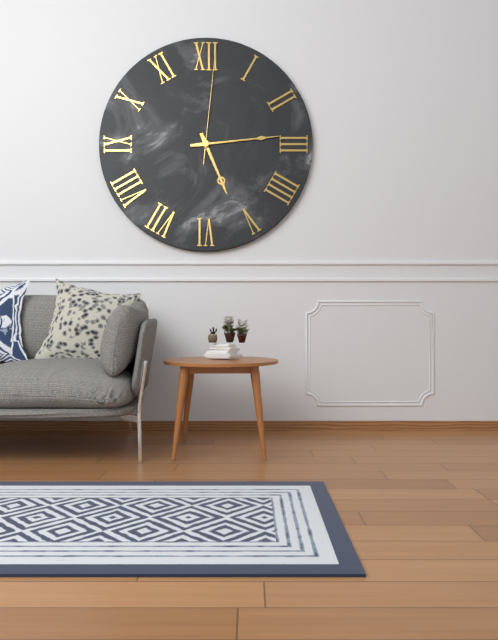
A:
5h14m01s
